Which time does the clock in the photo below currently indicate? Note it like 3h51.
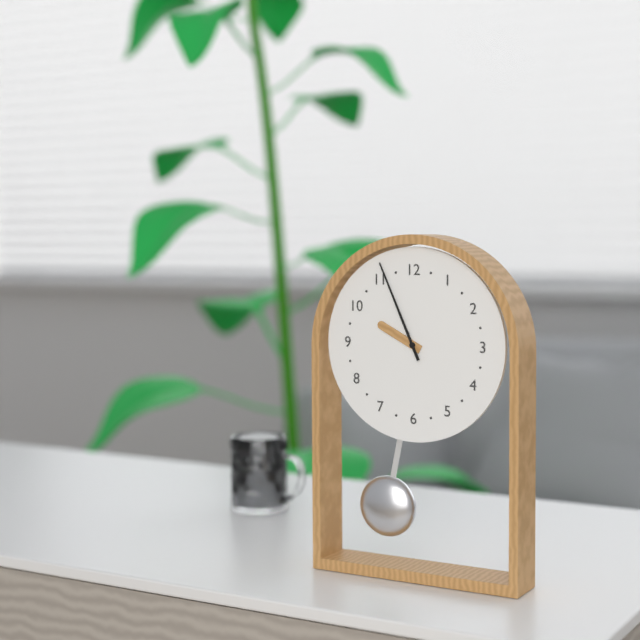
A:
9h56
